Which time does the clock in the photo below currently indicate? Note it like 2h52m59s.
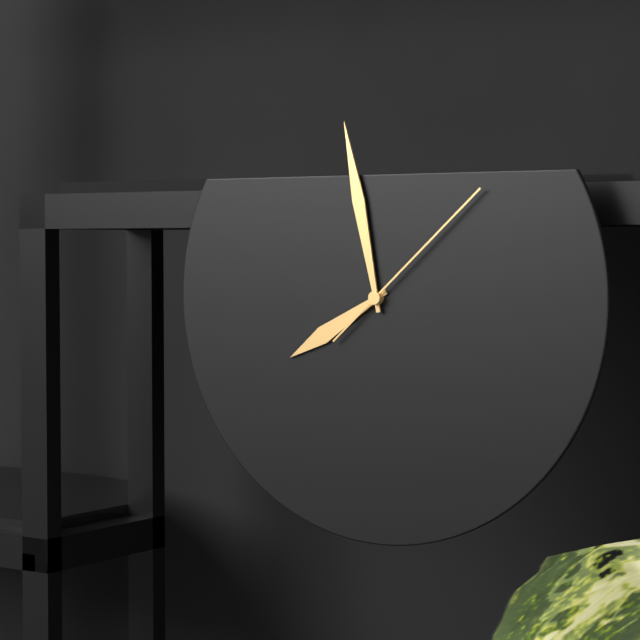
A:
7h58m08s
